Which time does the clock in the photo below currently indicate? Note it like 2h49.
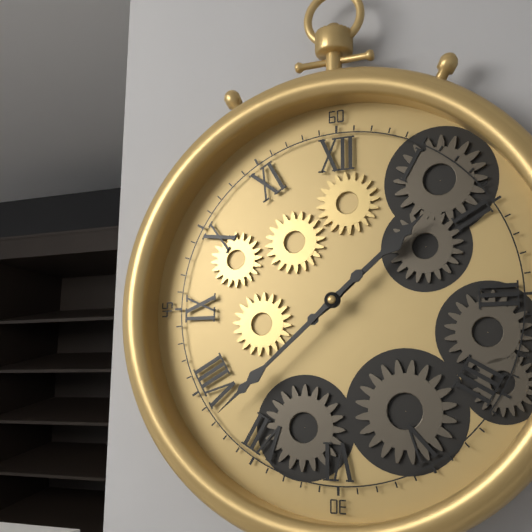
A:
1h38
